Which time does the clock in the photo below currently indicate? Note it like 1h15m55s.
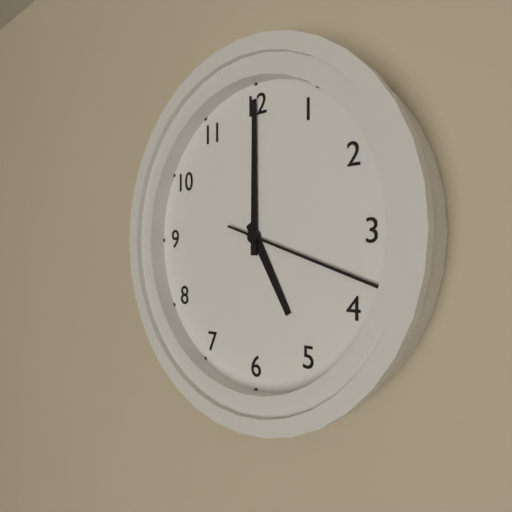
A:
5h00m18s
